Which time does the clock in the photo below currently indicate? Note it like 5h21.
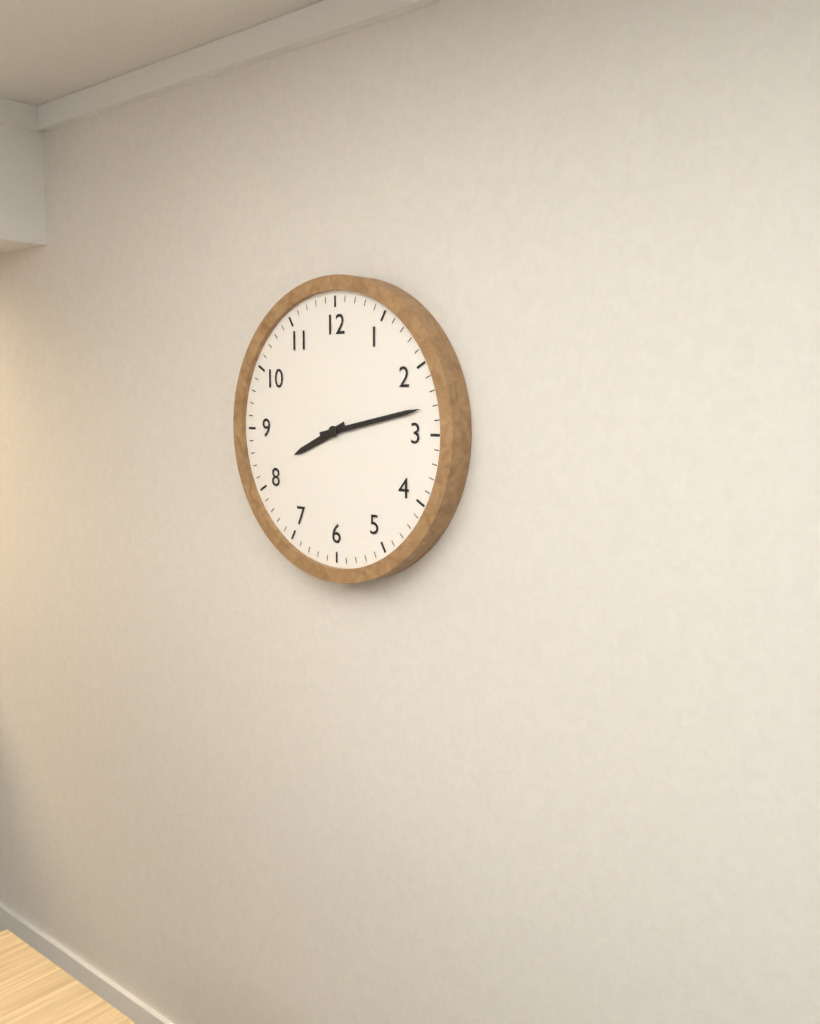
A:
8h13
